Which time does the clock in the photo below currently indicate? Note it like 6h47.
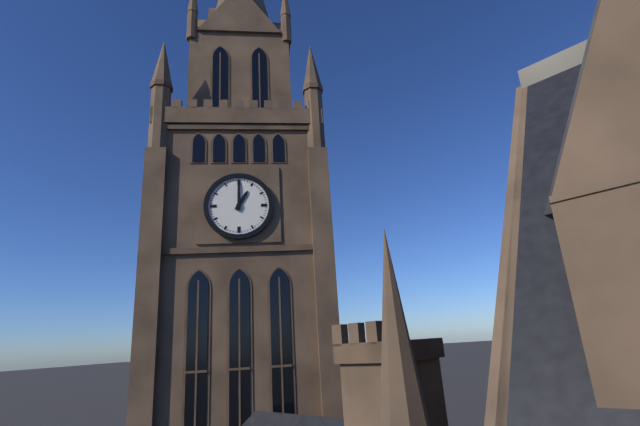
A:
1h00
